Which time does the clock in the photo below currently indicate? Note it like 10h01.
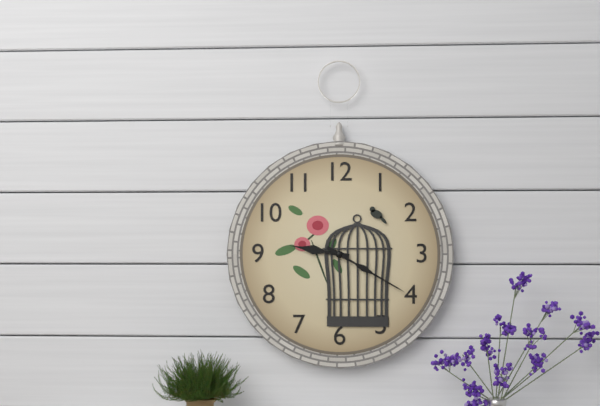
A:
9h20
